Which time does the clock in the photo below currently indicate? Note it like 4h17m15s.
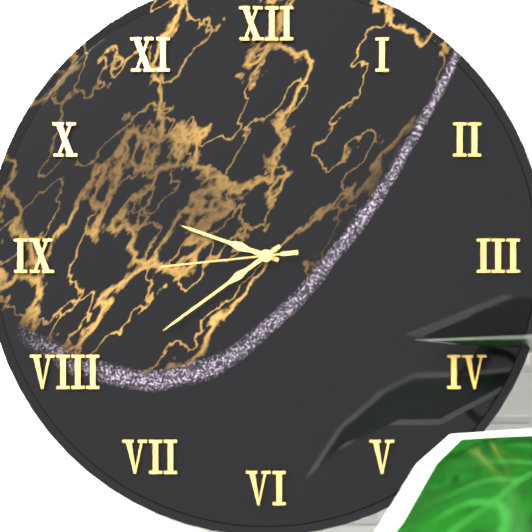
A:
9h39m44s
